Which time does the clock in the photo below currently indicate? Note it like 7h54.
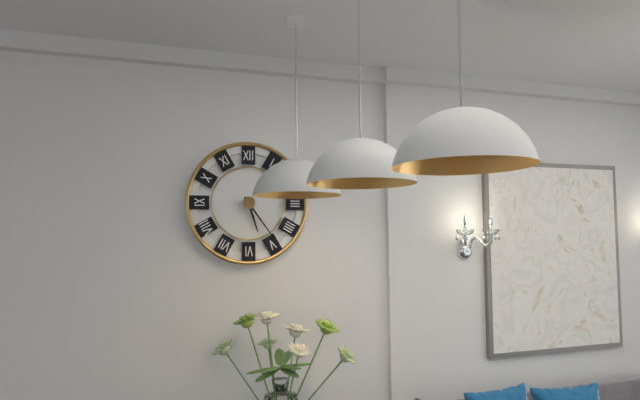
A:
5h24
